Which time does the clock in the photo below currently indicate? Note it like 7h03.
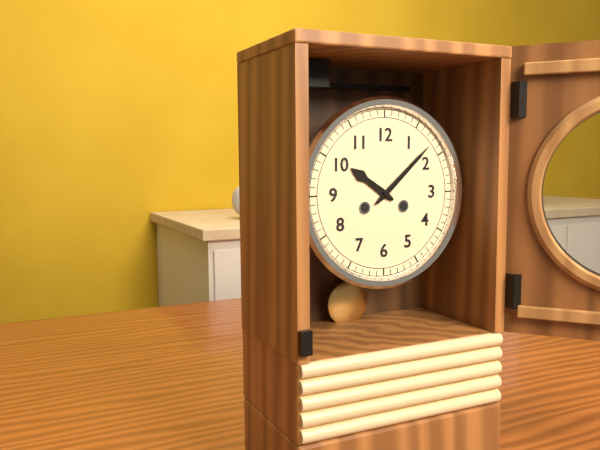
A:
10h08
